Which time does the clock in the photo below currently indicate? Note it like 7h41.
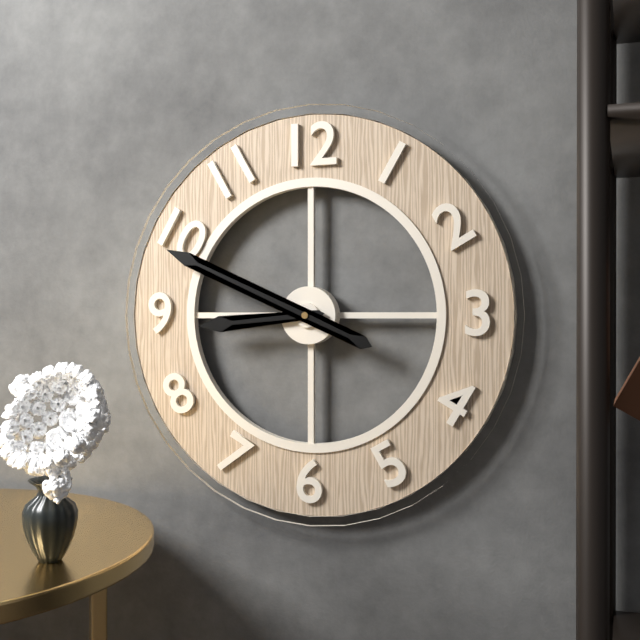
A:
8h49
